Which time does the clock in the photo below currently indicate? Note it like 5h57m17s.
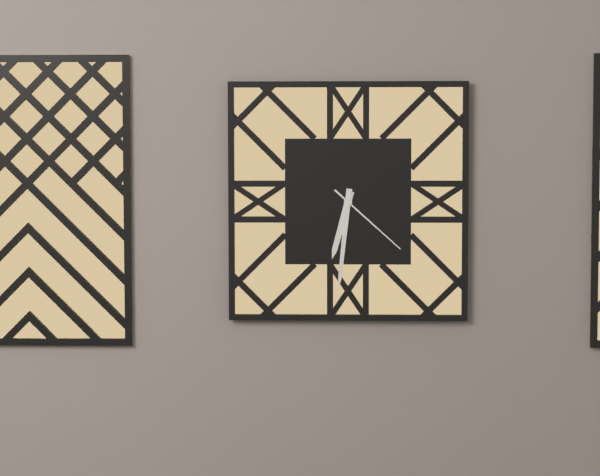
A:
6h31m22s
